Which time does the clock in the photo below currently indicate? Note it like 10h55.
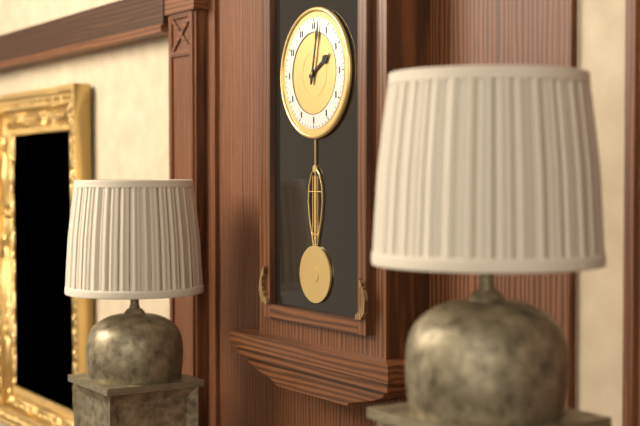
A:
2h02
